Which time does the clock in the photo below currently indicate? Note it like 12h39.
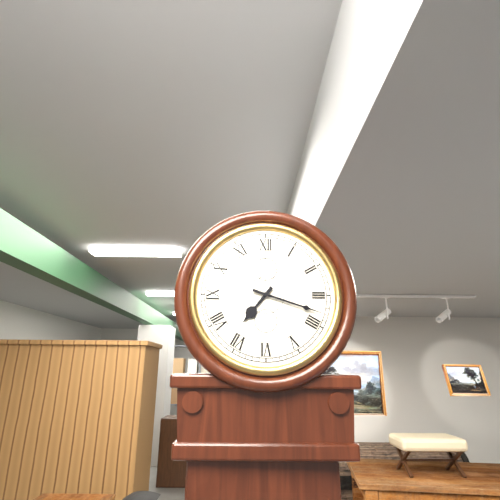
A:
7h18
